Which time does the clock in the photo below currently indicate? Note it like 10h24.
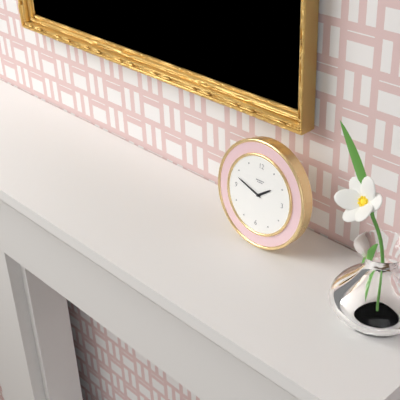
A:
1h48
